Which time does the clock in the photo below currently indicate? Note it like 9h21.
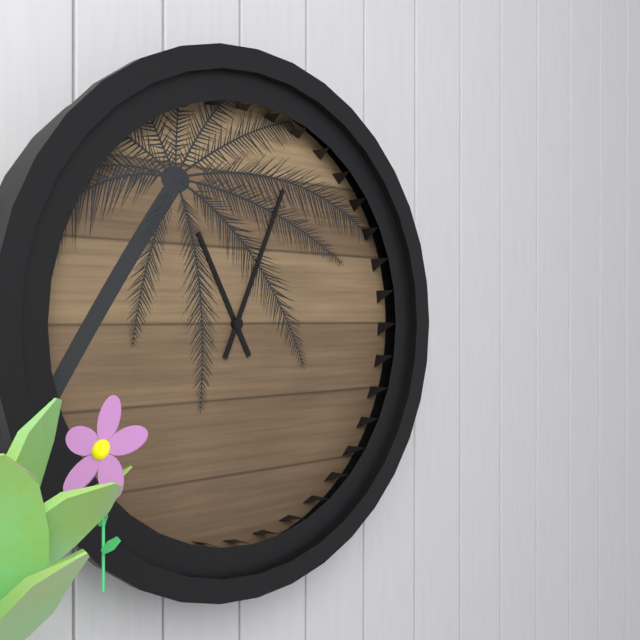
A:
11h04
